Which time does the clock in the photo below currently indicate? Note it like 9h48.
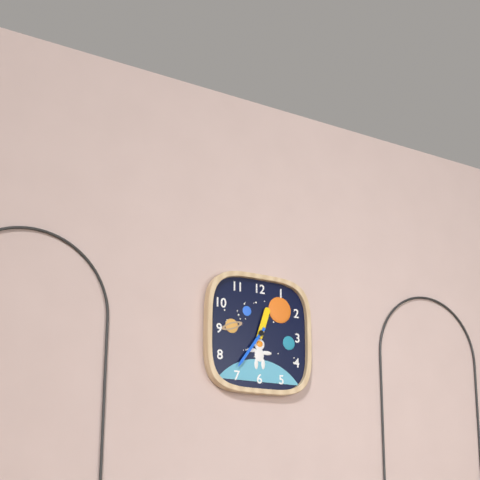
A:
12h36
